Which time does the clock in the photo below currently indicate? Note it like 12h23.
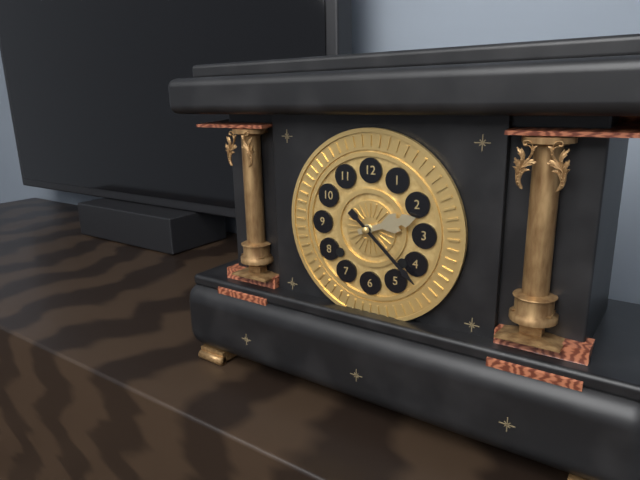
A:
2h22
